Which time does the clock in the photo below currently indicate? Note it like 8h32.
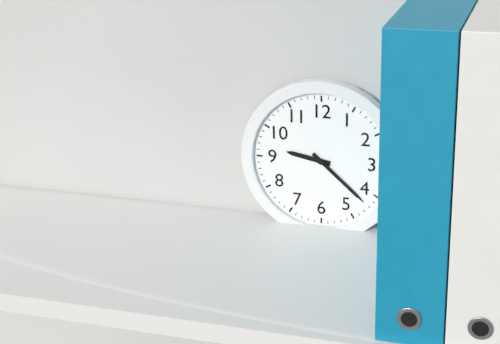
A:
9h22
